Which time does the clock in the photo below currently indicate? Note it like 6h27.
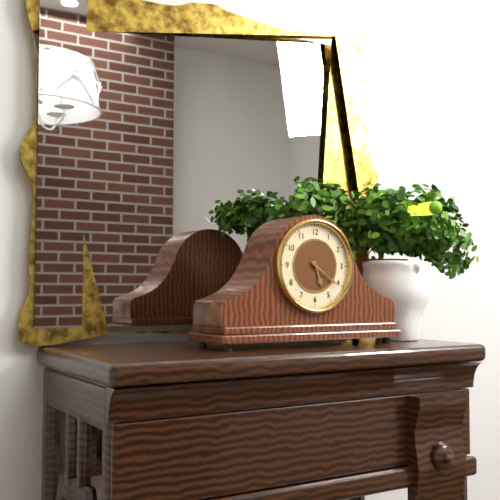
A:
5h21
